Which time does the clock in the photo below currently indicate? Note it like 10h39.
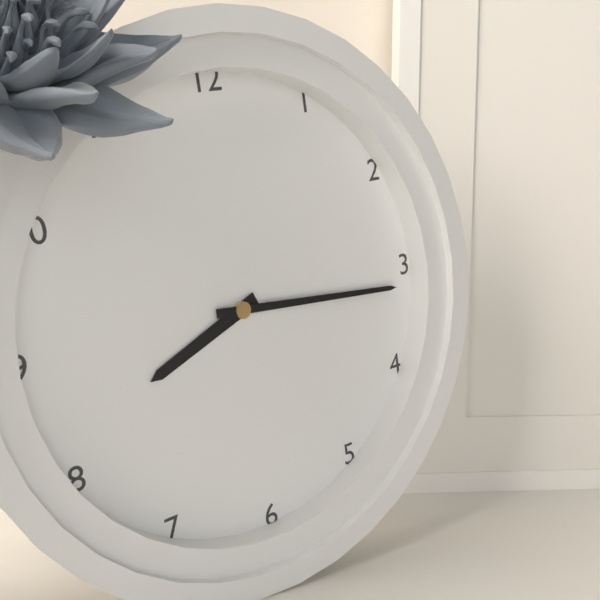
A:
8h16
